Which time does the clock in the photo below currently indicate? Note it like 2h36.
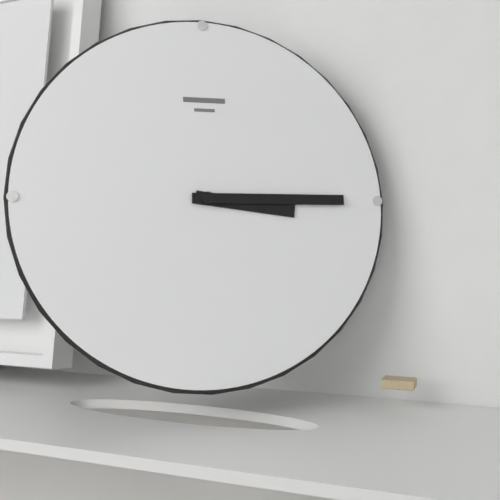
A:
3h15
